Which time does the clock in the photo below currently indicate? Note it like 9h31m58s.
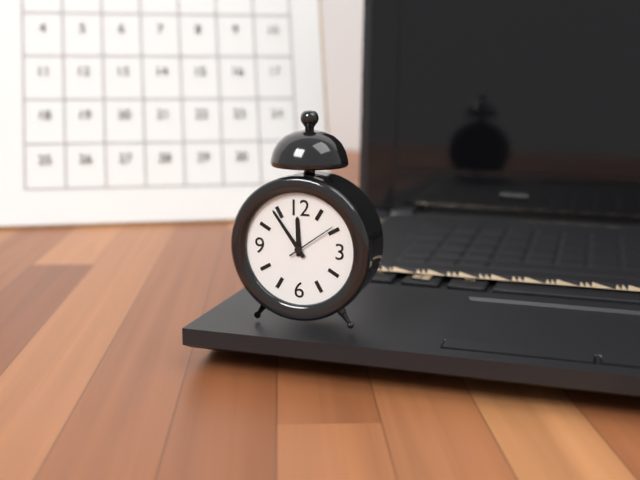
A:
11h54m09s
